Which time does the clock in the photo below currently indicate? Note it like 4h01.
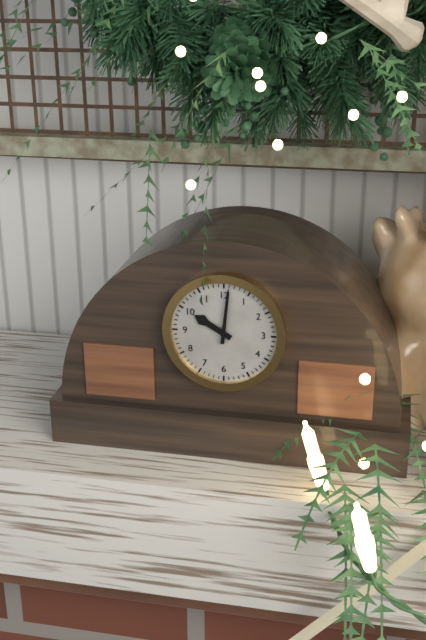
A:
10h01
